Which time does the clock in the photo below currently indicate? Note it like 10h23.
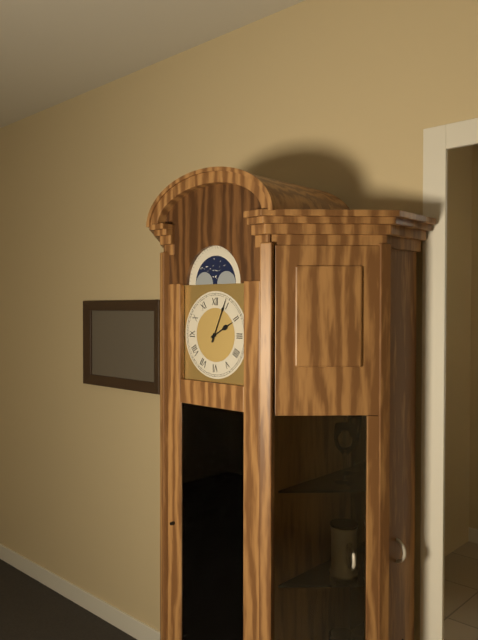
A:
2h04
